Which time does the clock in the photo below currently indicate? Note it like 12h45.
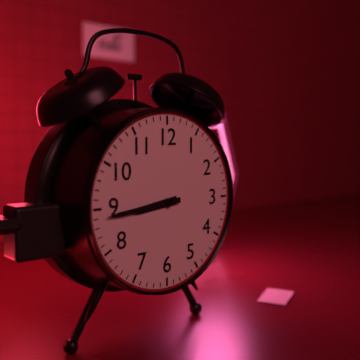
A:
8h44
